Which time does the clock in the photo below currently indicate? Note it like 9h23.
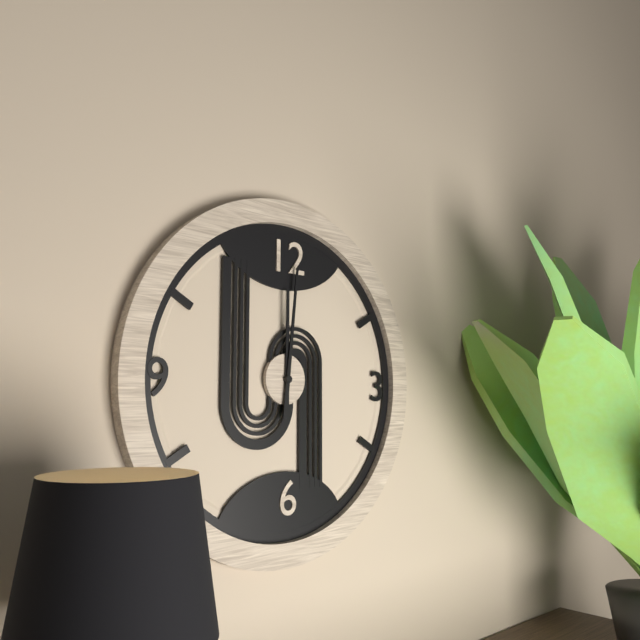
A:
12h01
